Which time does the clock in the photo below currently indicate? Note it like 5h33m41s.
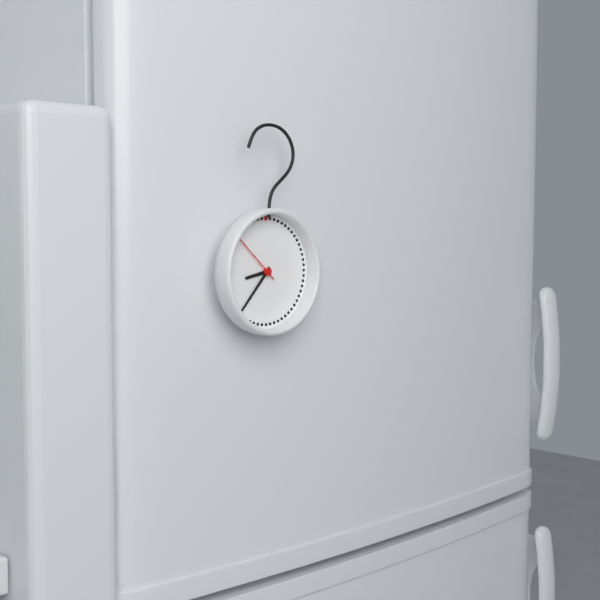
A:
8h37m52s
